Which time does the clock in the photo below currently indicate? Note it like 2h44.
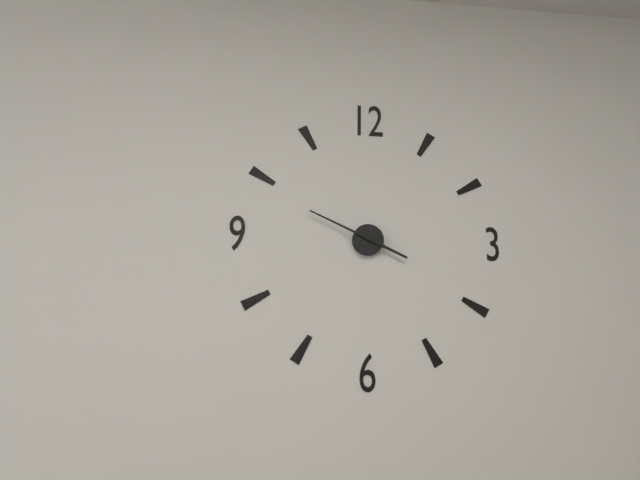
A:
3h49
